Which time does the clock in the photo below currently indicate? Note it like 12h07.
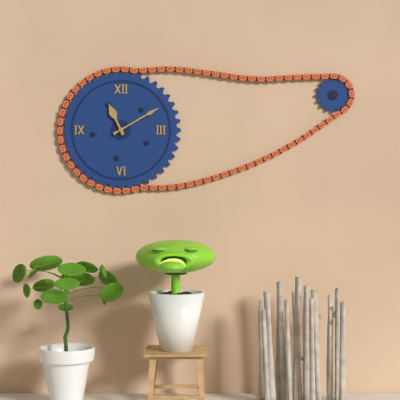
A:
11h10
